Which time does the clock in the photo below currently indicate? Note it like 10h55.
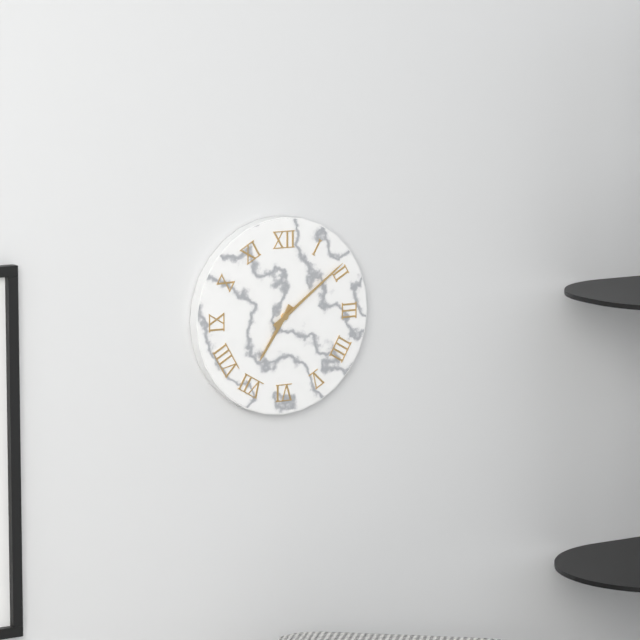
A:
7h09
